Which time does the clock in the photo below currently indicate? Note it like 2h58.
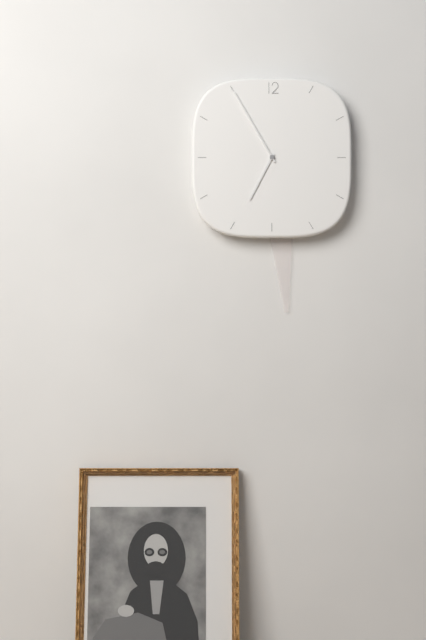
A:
6h55
